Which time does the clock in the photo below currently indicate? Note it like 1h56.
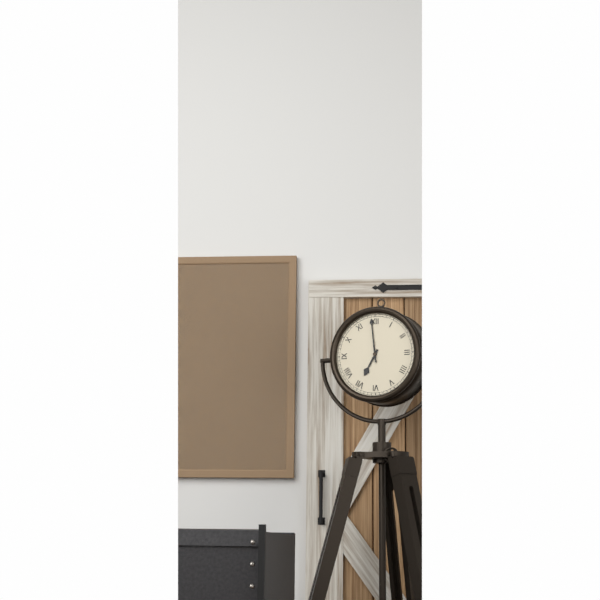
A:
6h59
